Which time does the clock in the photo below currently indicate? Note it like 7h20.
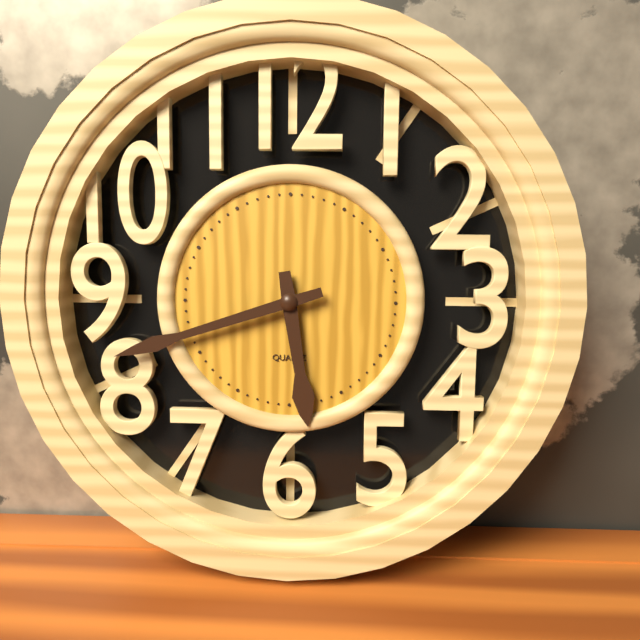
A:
5h42
